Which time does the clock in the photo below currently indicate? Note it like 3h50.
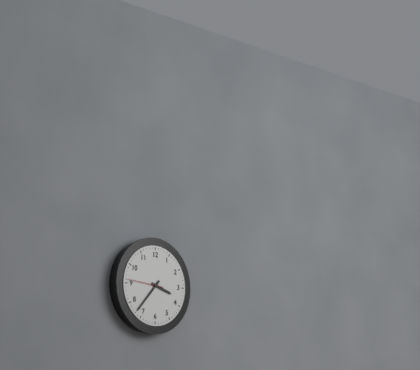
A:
3h37
